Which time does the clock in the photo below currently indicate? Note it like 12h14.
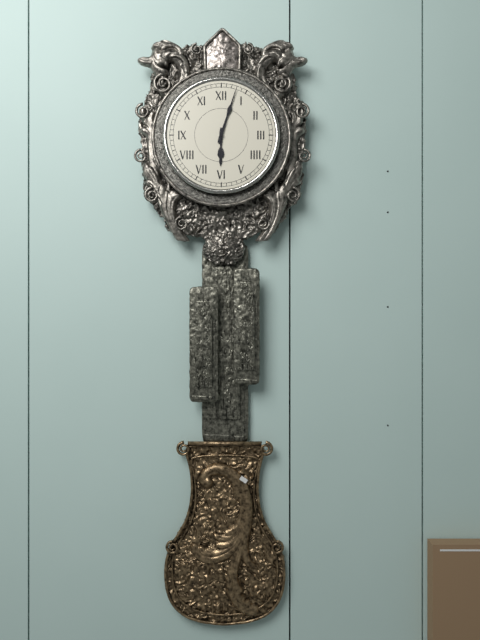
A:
6h03
